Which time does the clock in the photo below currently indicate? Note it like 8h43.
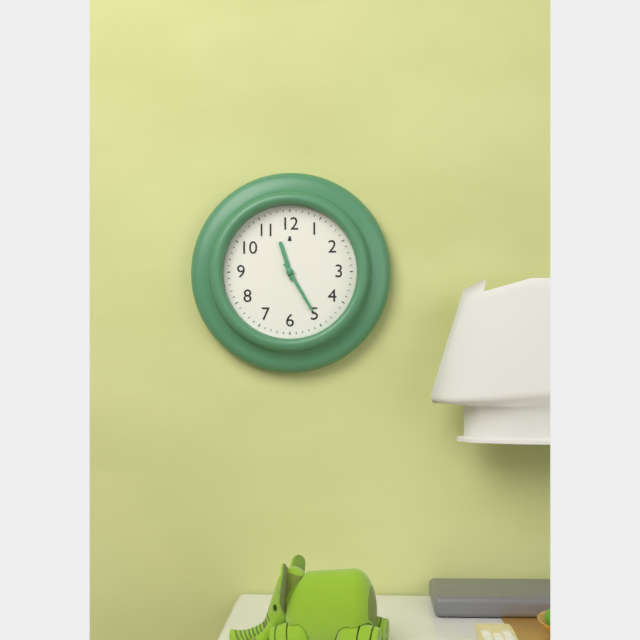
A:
11h25
